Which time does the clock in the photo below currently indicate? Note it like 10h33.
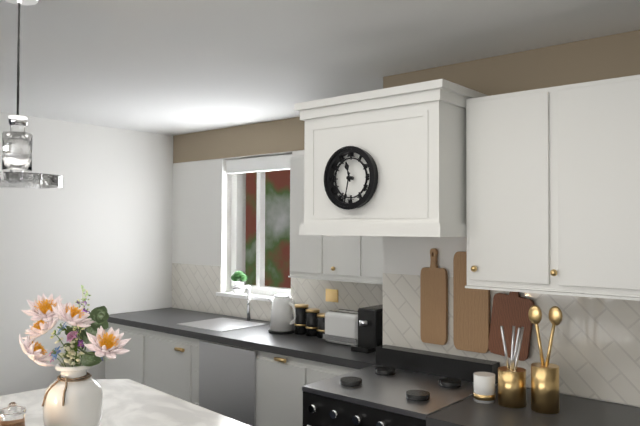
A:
11h32
